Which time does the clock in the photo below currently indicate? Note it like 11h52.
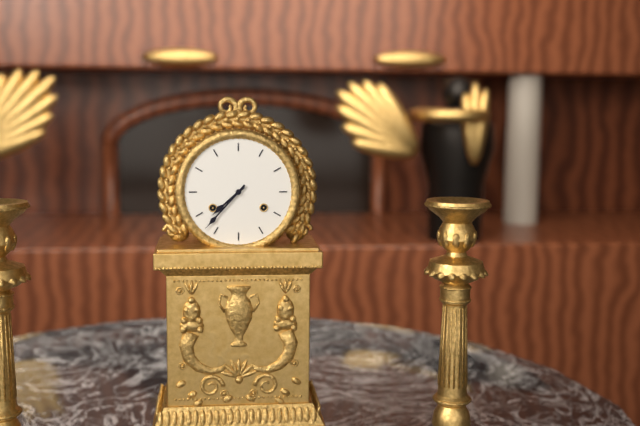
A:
7h37
